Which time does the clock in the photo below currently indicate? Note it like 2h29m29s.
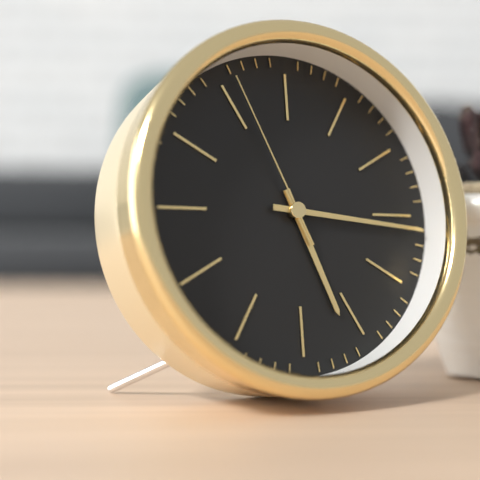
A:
5h16m56s
